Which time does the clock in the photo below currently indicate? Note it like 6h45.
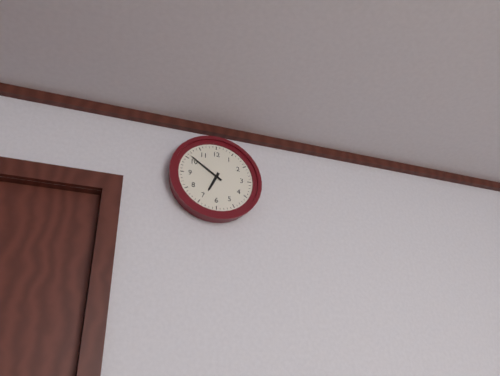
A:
6h51
